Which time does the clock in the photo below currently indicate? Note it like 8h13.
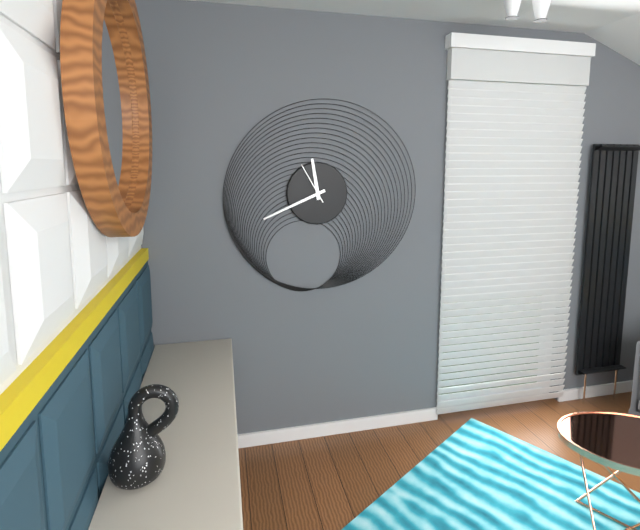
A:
11h41
